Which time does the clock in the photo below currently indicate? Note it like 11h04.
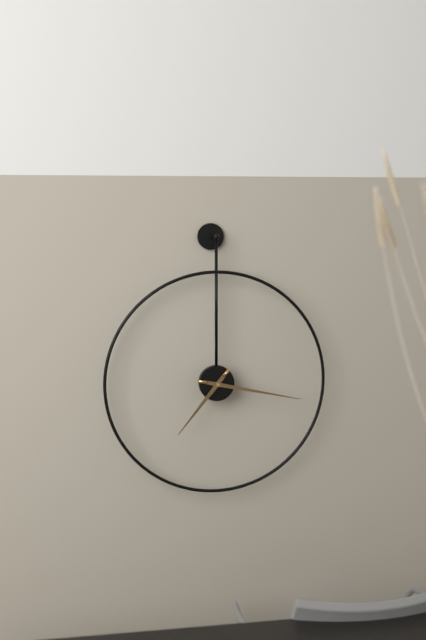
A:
7h17
